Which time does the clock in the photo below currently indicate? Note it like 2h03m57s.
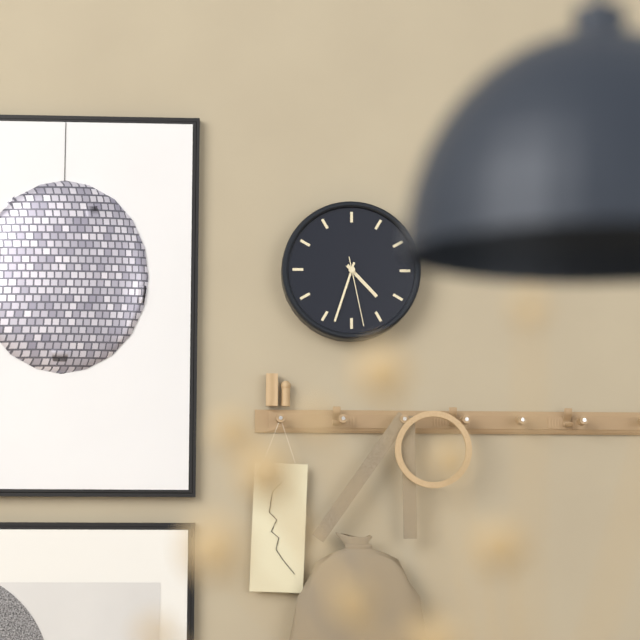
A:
4h33m28s
